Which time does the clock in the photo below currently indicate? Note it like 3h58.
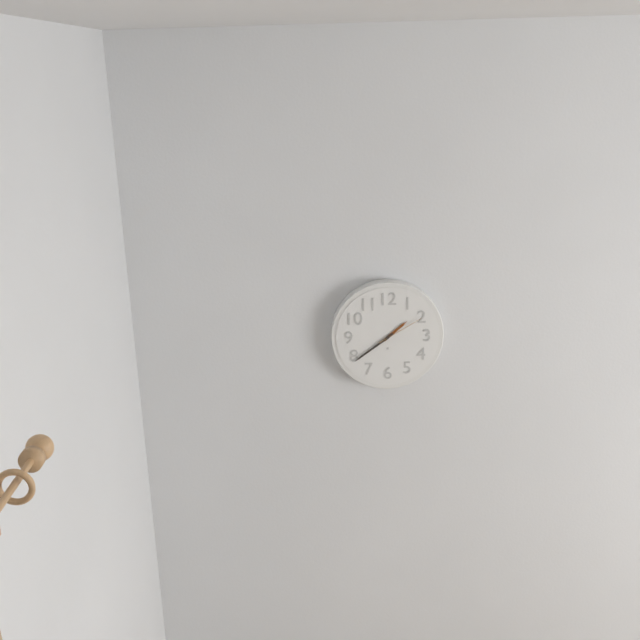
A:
1h39
